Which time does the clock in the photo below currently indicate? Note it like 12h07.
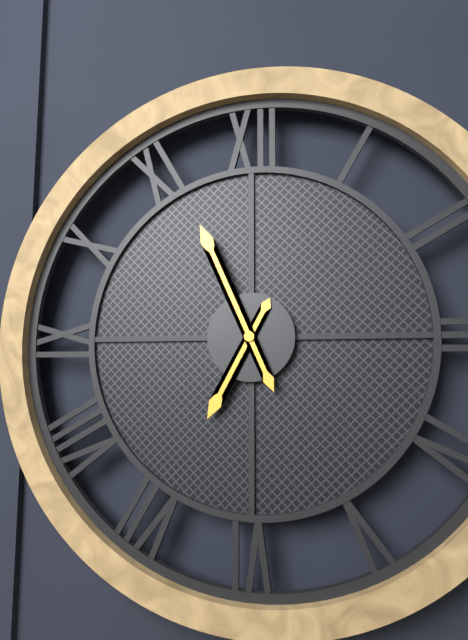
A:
6h56
